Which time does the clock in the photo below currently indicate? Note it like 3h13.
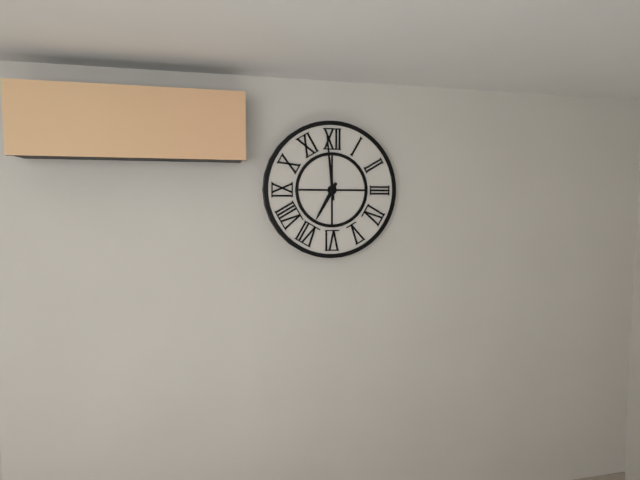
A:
6h59
